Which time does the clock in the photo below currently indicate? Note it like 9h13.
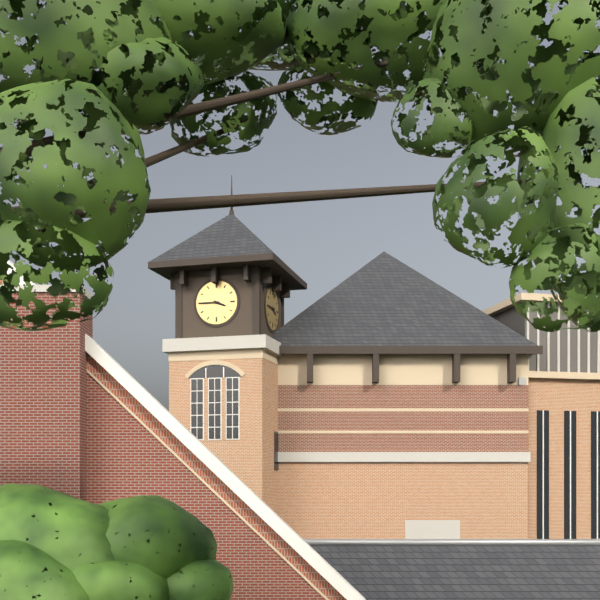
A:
3h45
